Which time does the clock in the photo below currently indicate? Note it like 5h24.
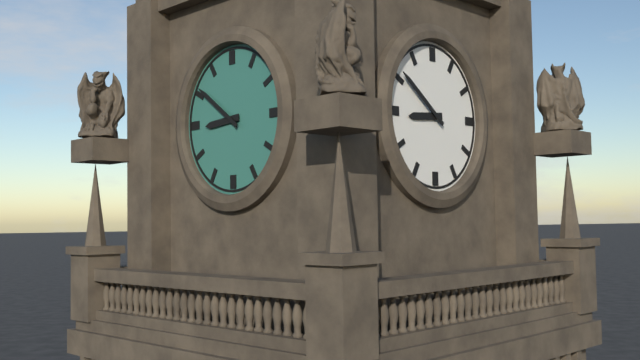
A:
8h51
